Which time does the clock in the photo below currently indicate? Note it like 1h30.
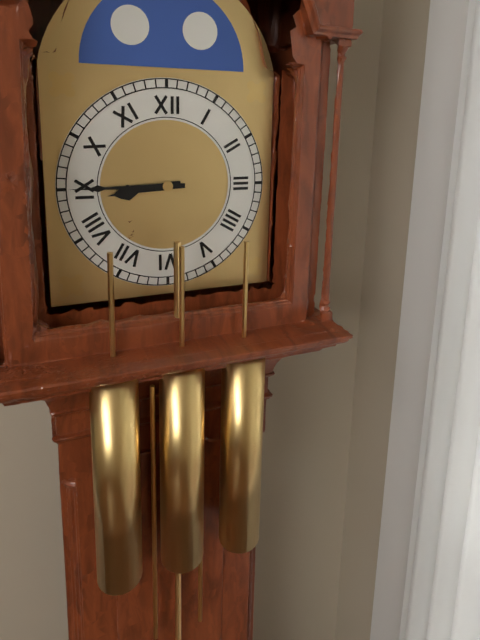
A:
8h45
